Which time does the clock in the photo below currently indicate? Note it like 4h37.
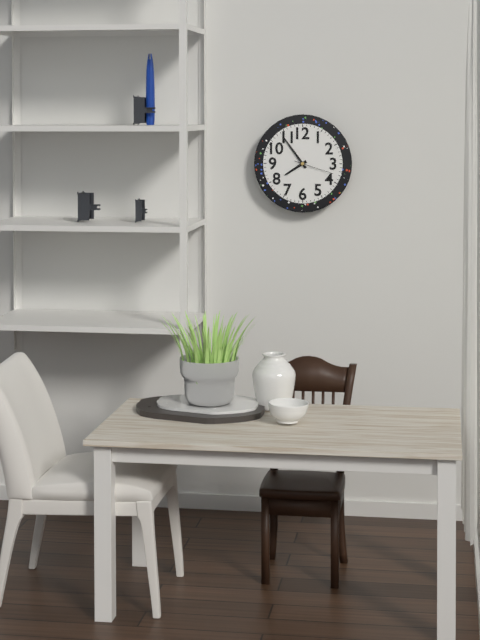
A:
7h54
